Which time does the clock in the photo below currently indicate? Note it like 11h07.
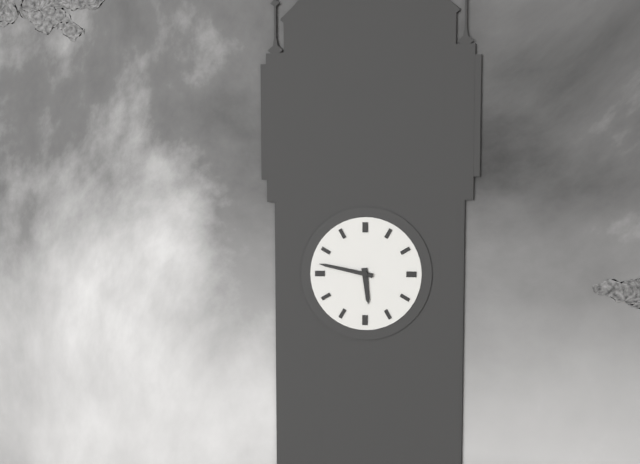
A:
5h47
